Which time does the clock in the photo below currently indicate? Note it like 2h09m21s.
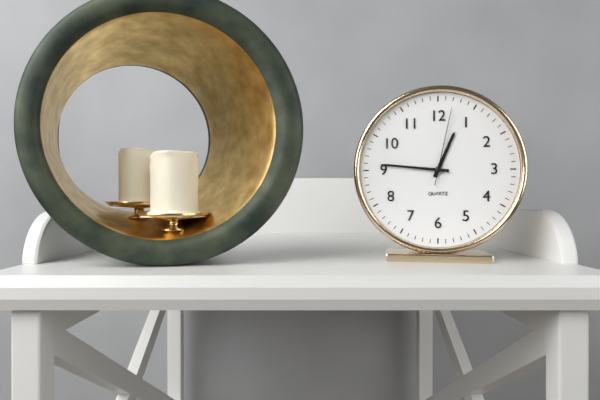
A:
12h46m02s
